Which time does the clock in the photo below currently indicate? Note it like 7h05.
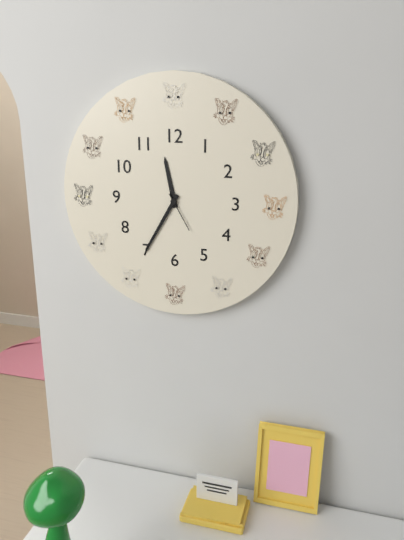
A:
11h35
